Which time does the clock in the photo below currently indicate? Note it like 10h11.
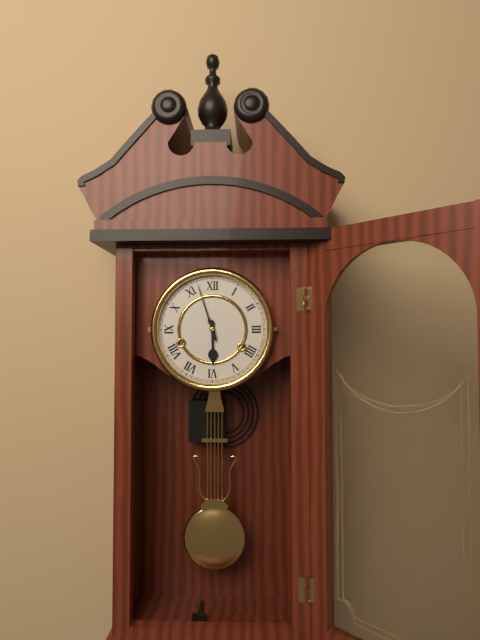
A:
5h57
